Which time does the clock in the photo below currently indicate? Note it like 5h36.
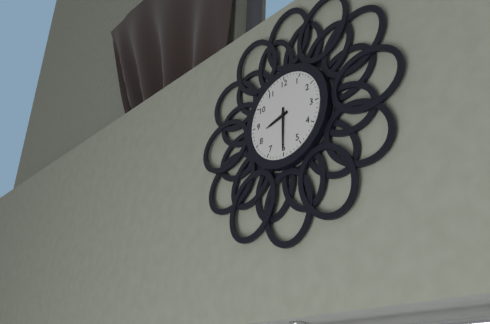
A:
8h30
